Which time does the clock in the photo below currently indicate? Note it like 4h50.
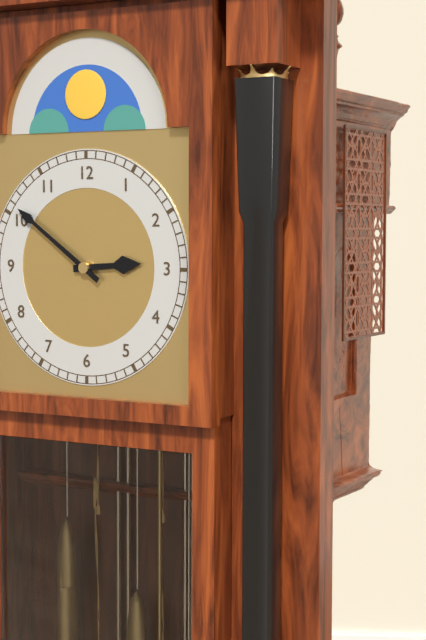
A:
2h51
